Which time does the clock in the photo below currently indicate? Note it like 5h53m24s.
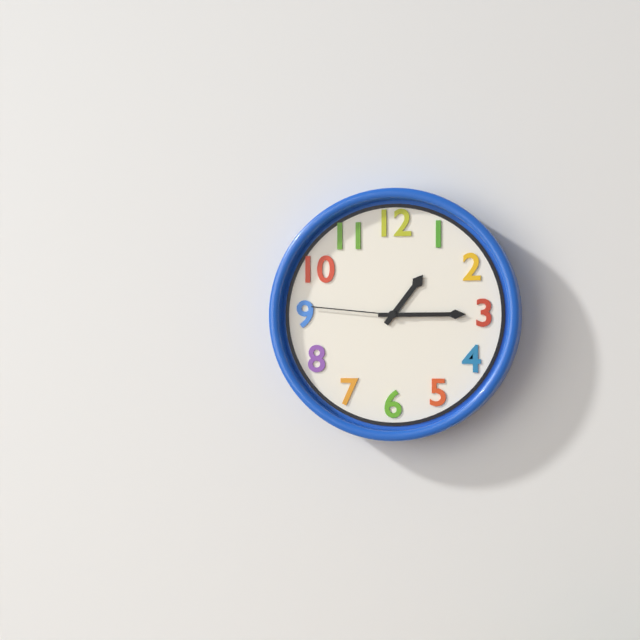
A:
1h15m46s
